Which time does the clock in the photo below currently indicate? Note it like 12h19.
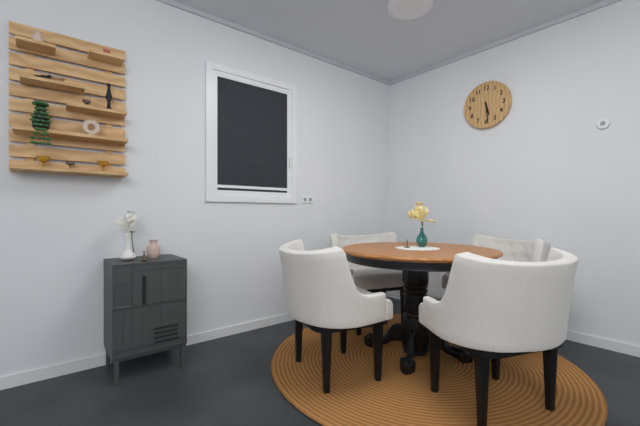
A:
5h29
